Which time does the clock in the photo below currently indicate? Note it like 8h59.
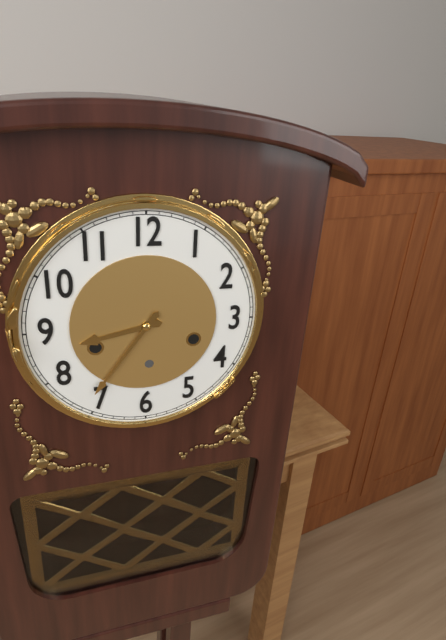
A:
8h36
